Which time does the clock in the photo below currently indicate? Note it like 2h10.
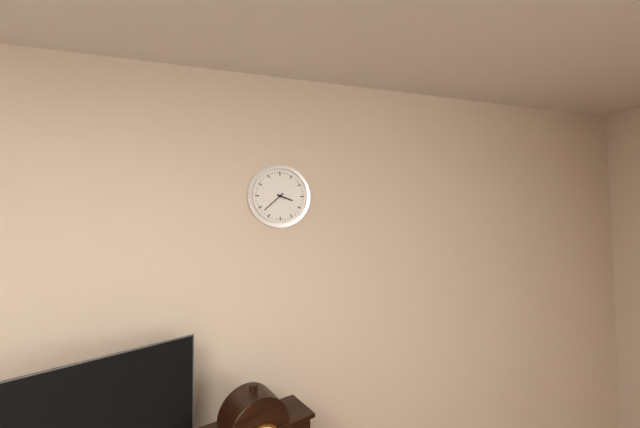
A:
3h38
